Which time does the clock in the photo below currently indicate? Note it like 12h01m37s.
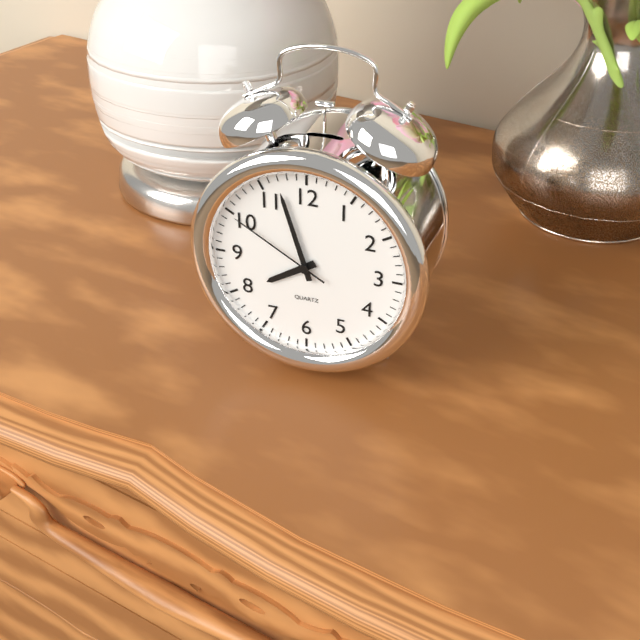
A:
7h57m50s
